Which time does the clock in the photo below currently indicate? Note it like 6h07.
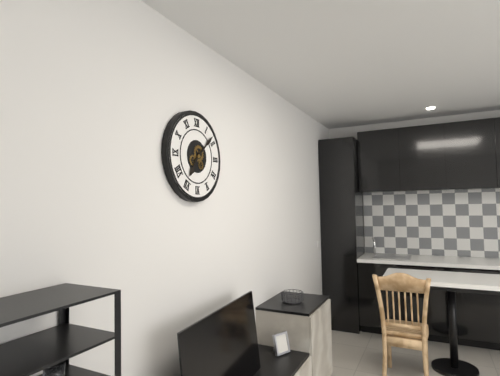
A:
7h08
